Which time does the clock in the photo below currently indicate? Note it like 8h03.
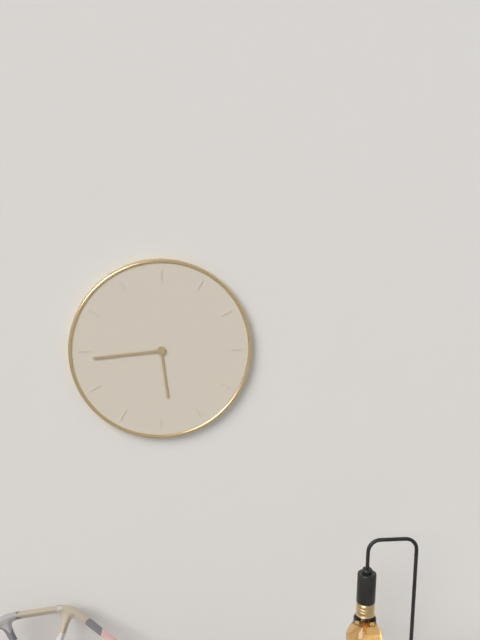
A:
5h44
